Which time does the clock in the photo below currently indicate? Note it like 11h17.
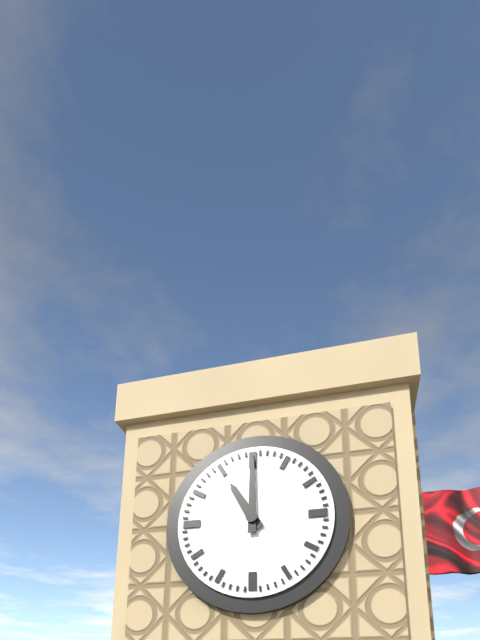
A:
11h00
